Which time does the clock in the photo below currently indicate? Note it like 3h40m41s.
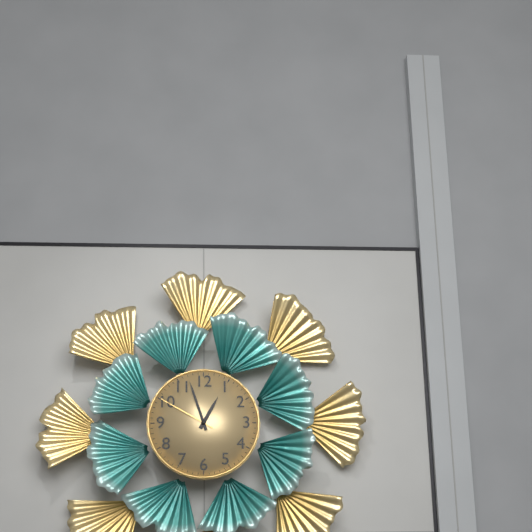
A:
12h57m50s
